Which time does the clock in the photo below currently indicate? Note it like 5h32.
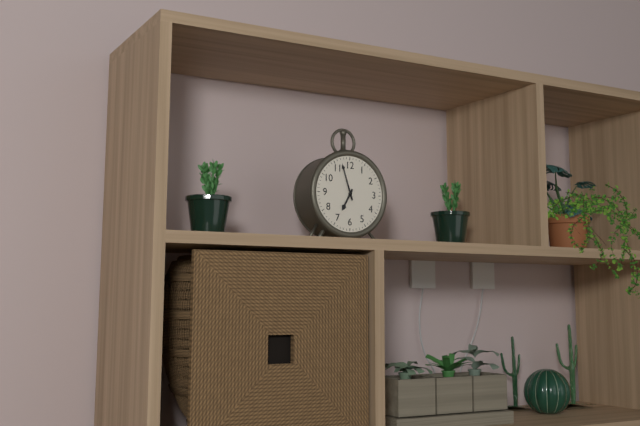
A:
6h57
